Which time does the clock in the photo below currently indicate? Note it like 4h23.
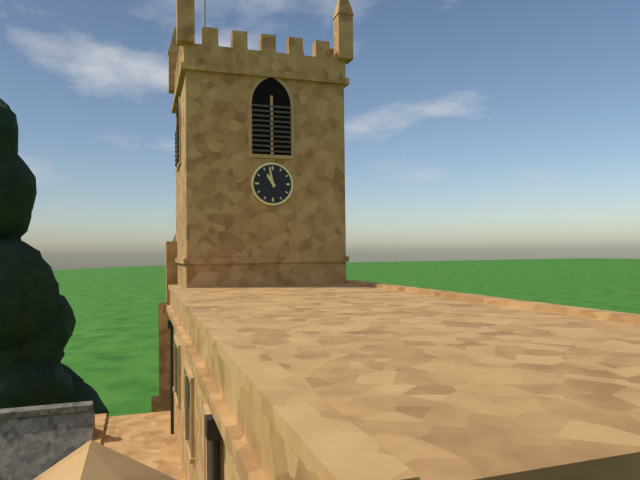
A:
10h58
